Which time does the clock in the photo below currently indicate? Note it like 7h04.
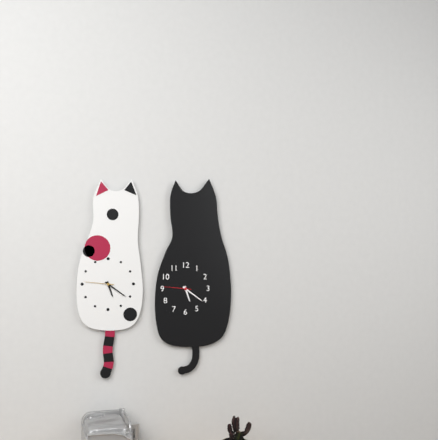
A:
5h21
